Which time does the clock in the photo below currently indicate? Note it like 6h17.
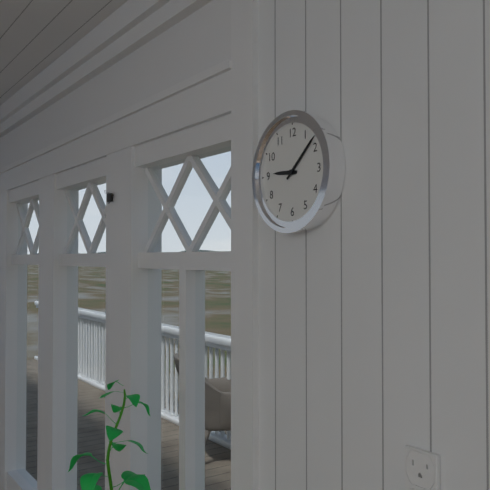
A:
9h08
